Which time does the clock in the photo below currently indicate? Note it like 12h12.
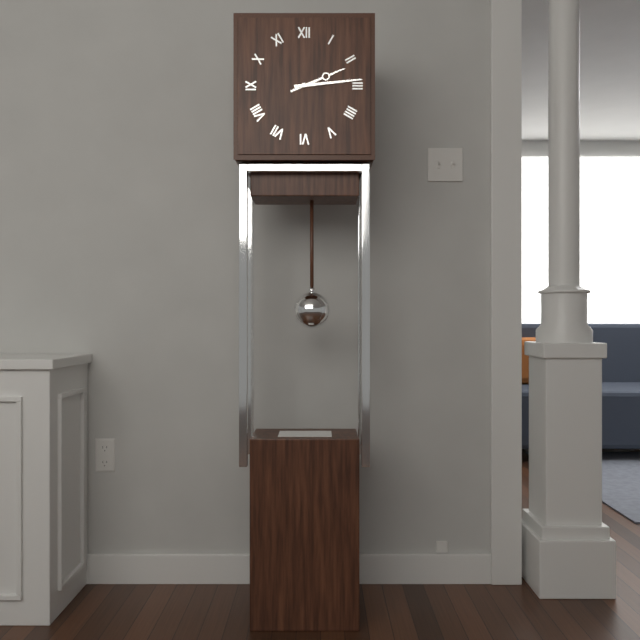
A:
2h14
